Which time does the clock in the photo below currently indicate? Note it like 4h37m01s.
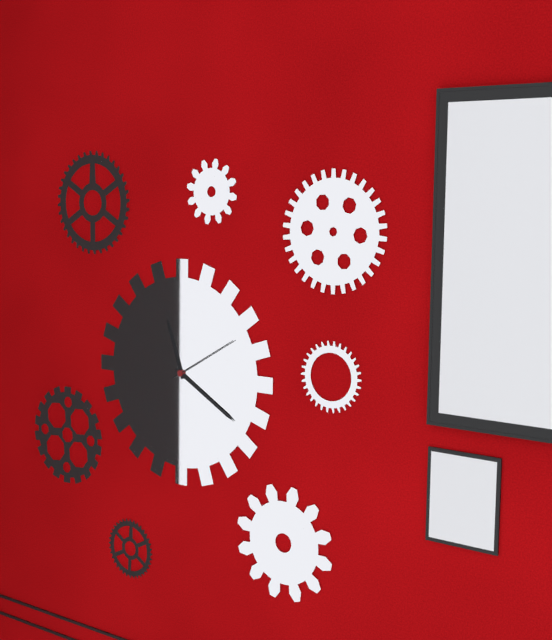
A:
11h20m10s
